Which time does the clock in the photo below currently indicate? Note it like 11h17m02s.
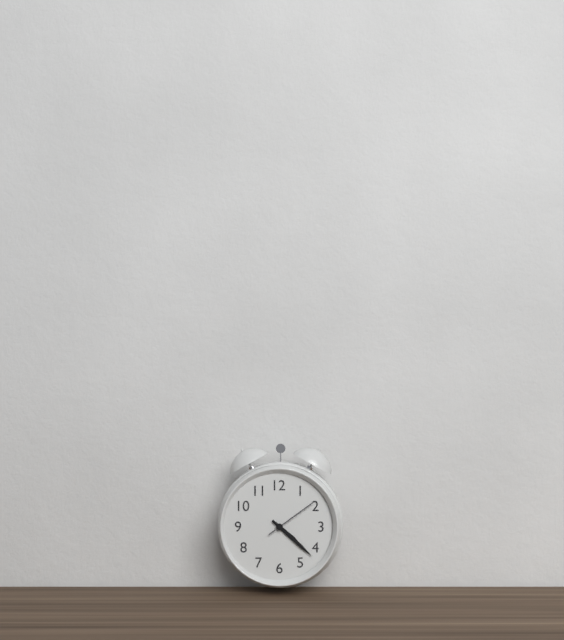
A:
4h22m09s
